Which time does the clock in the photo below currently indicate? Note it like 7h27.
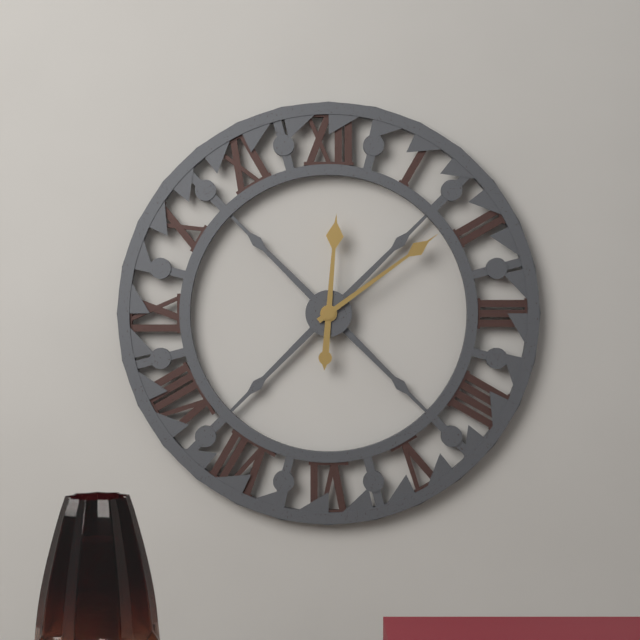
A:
12h09
